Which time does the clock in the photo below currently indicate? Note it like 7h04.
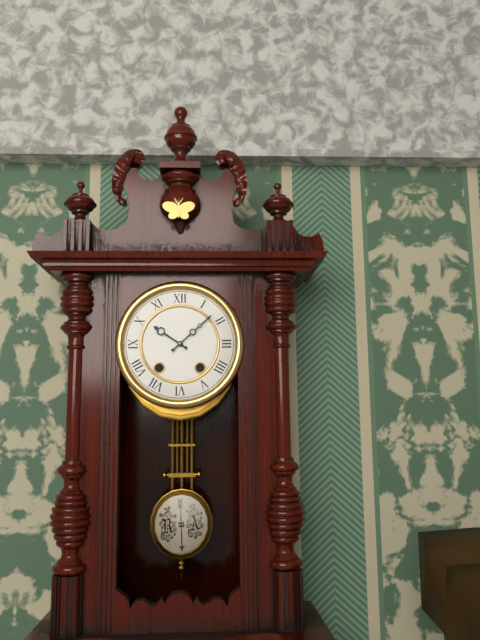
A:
10h08
